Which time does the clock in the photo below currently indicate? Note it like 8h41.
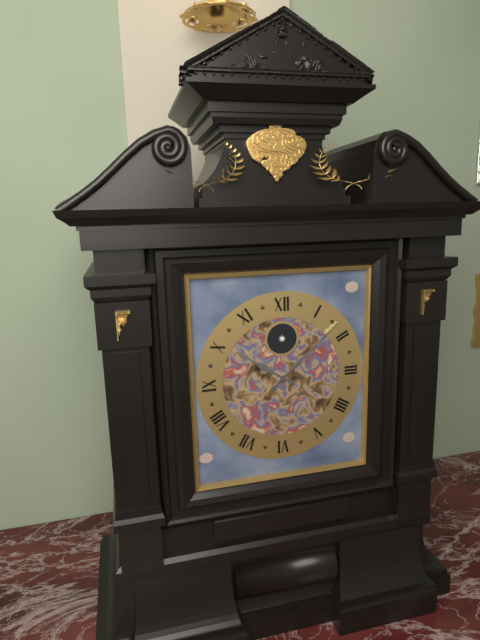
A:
10h08
